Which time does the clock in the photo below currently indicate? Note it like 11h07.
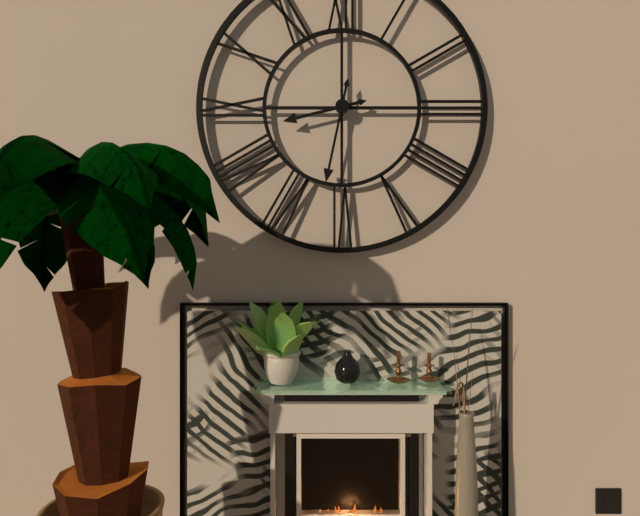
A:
8h32
